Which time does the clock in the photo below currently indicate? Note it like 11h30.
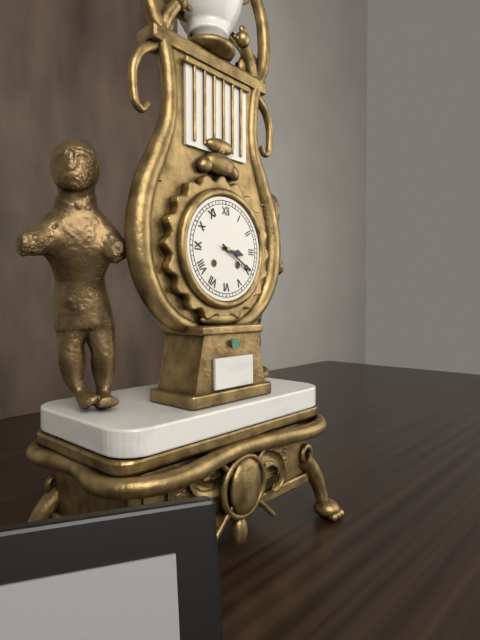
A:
3h20
